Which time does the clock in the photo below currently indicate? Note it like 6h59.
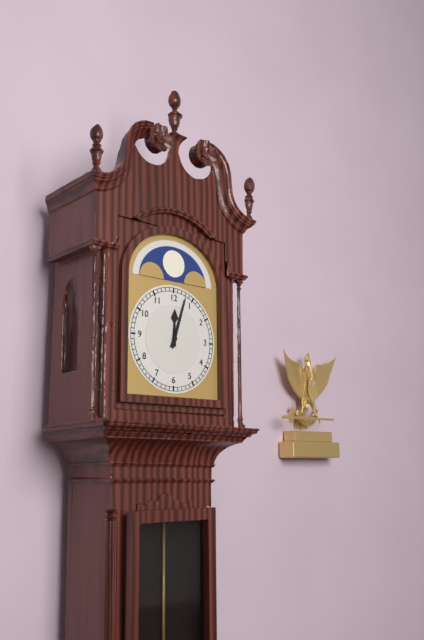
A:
12h03
